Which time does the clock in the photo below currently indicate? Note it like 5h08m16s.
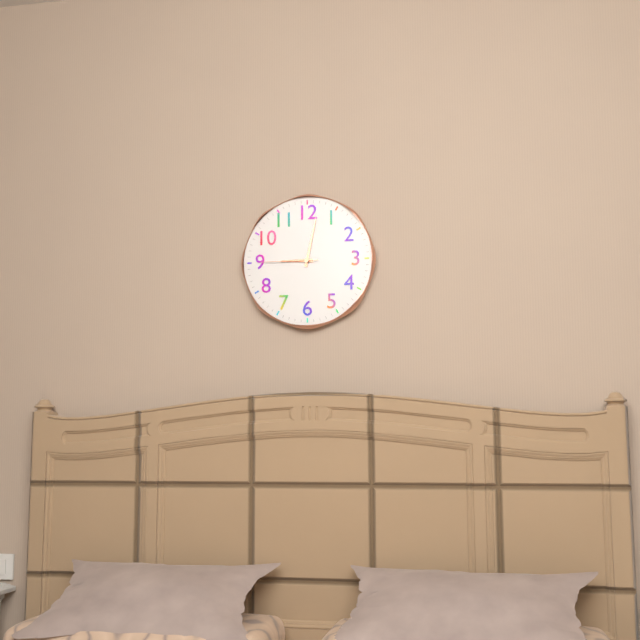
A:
9h02m45s
